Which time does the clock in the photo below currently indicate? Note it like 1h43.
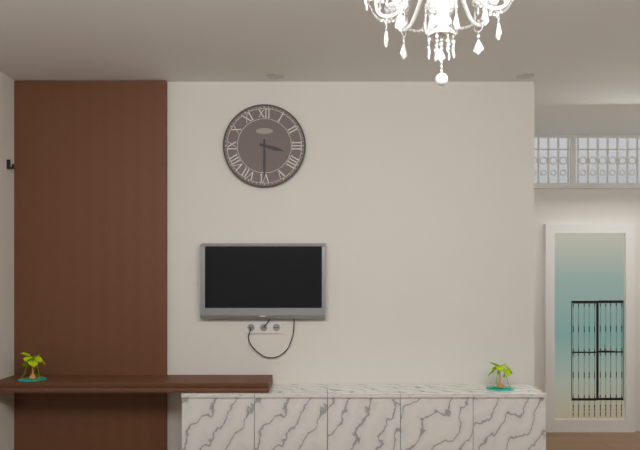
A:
3h30
